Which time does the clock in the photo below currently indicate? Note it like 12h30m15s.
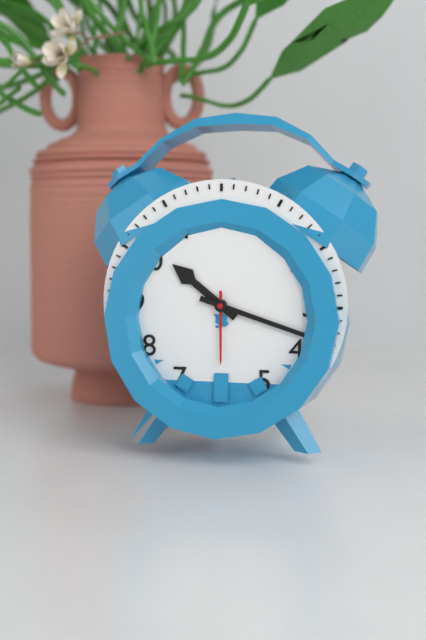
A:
10h18m30s
